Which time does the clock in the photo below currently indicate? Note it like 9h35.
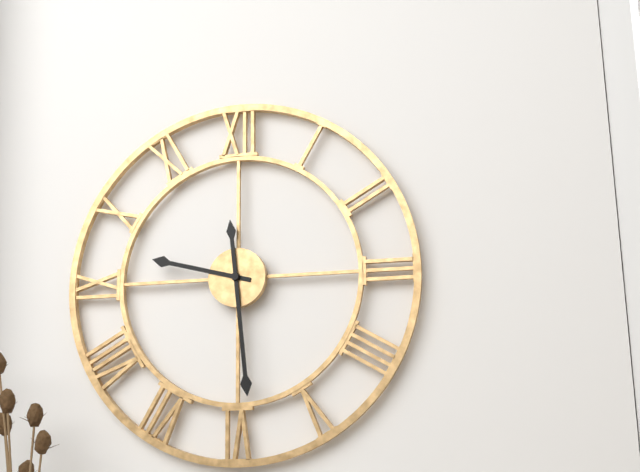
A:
9h29
